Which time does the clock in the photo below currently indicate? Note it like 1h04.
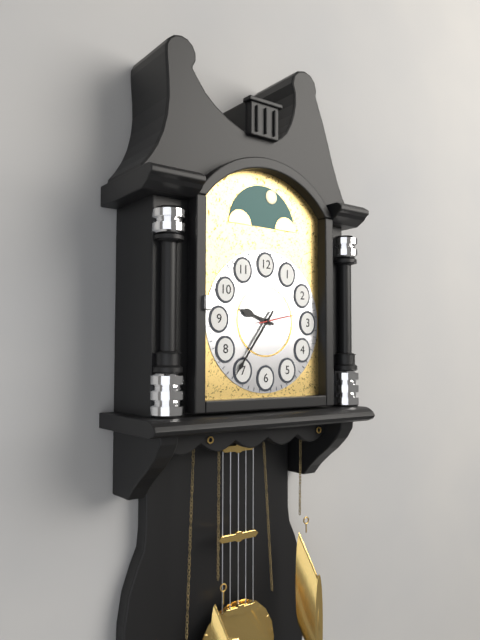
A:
9h36
